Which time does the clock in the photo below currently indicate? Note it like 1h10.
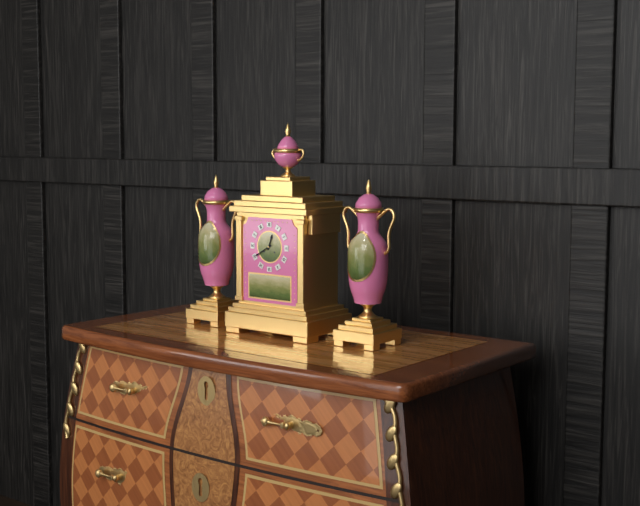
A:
12h40
